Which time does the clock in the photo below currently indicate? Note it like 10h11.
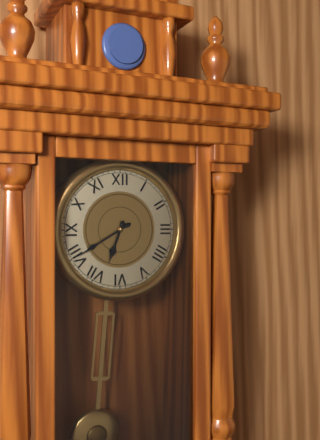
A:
6h40
